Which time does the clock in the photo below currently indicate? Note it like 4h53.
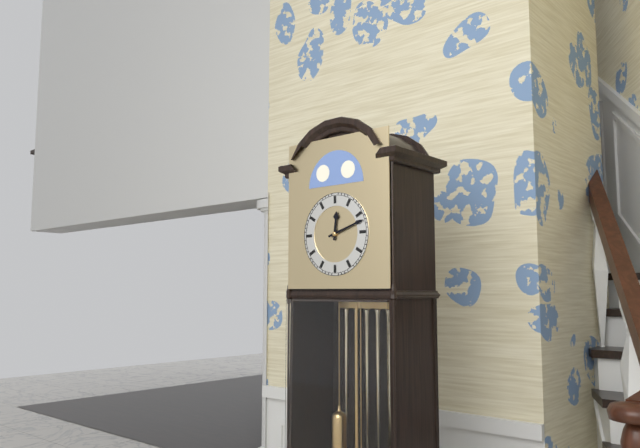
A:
12h12
